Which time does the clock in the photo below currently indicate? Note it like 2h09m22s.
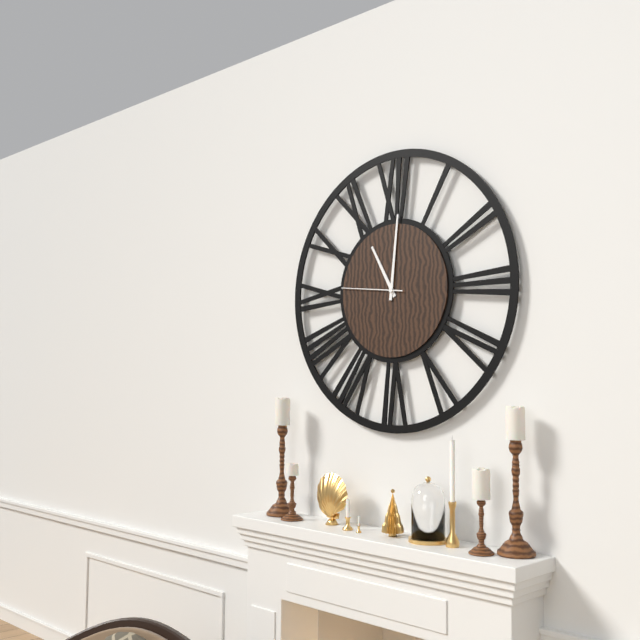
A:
11h01m46s
